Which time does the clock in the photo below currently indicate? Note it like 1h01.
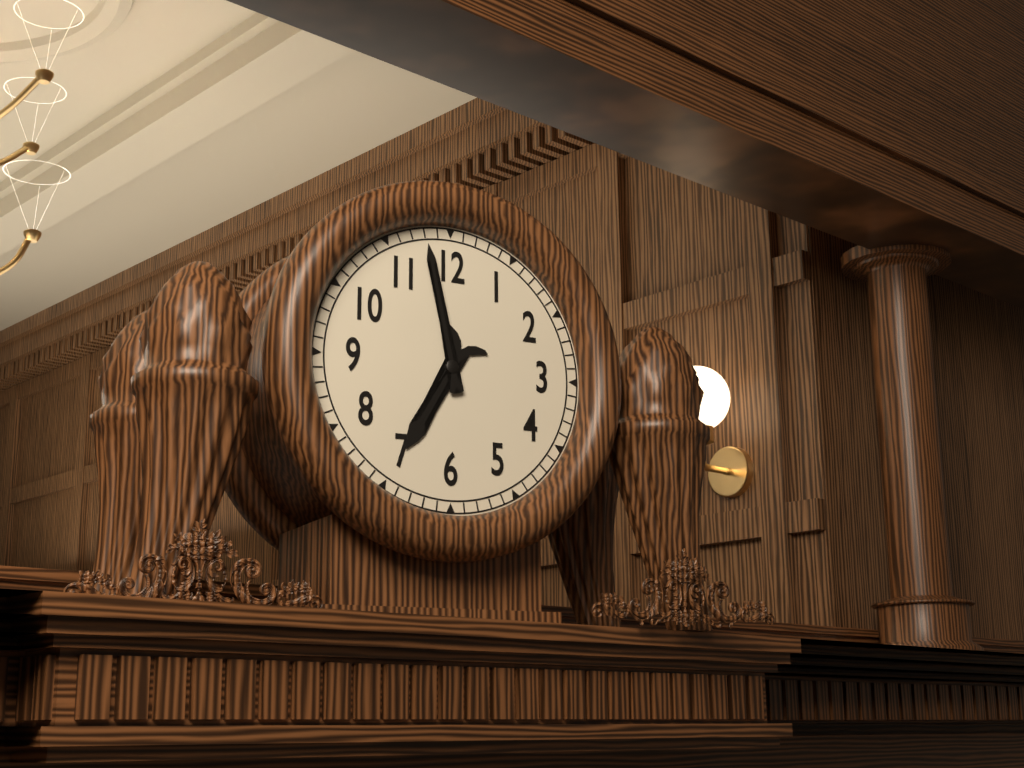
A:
6h58
